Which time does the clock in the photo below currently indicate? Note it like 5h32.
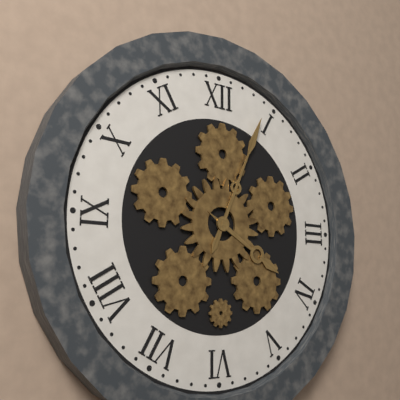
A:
4h04
